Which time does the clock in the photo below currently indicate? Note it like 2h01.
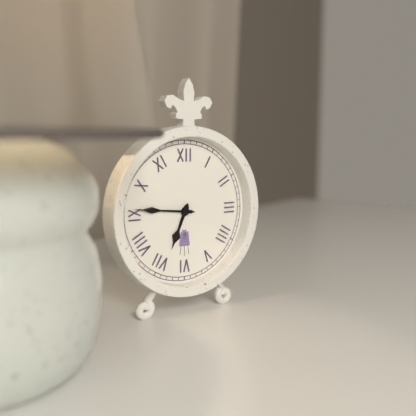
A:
6h46
